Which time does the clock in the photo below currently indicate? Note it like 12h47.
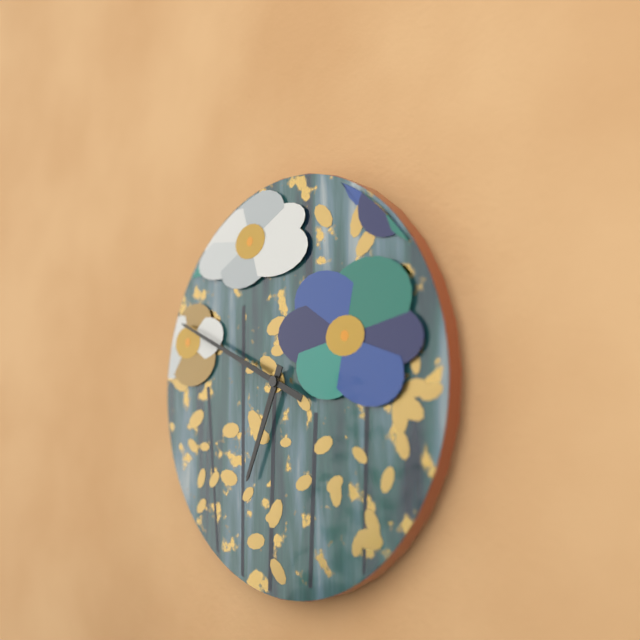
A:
6h49
